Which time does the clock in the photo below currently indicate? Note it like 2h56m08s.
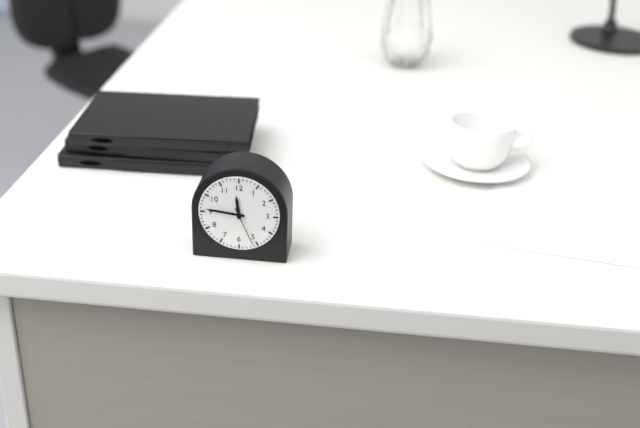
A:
11h46m26s
